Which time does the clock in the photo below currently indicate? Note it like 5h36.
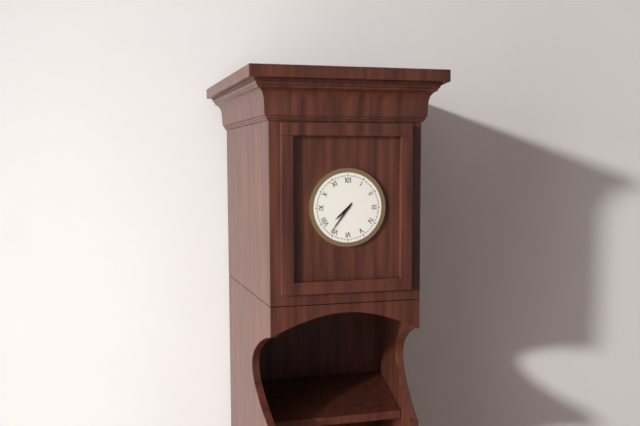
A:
7h36
